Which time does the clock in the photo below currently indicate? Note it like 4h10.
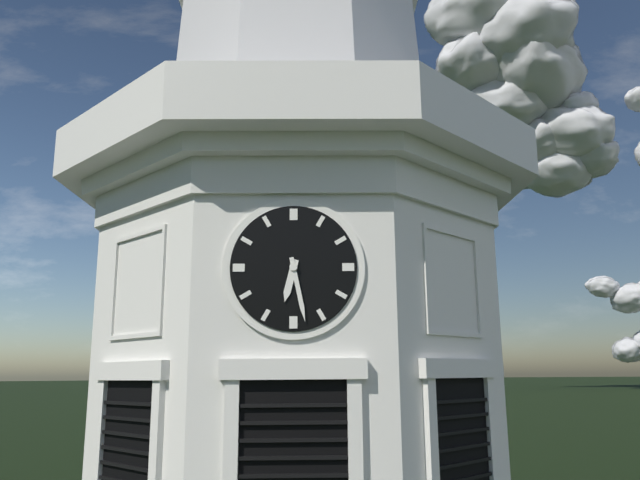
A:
6h28
